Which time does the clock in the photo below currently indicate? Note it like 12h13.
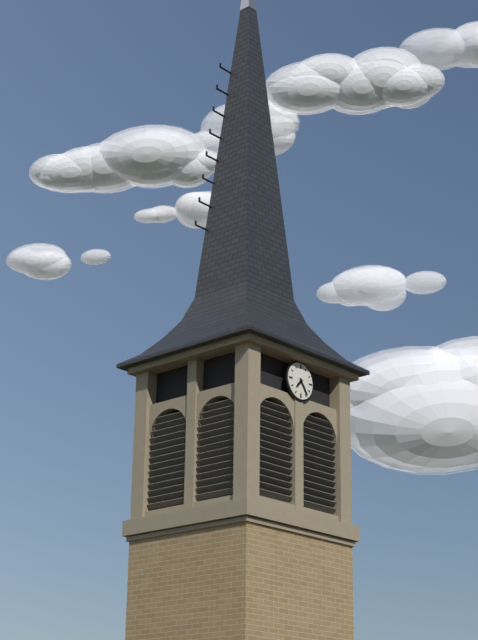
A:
7h24
